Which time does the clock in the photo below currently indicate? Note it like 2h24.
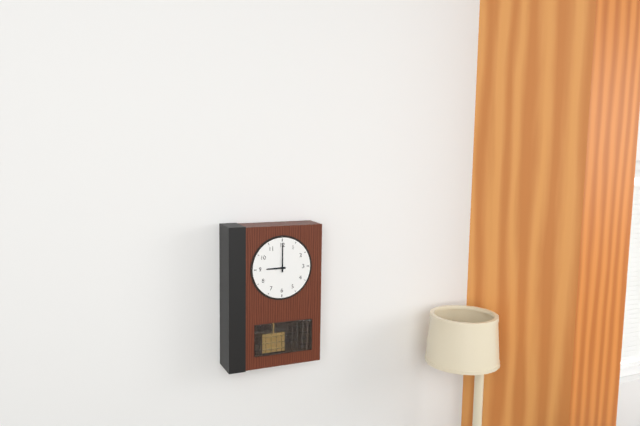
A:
9h00
